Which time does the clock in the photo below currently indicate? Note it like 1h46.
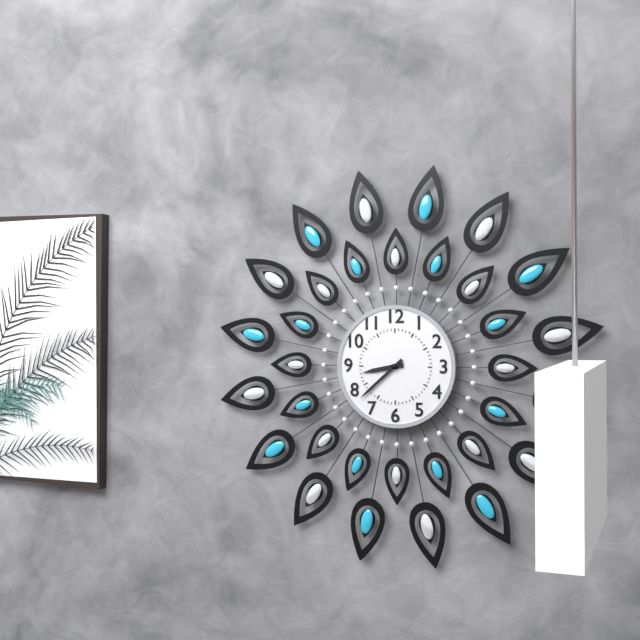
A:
8h38
